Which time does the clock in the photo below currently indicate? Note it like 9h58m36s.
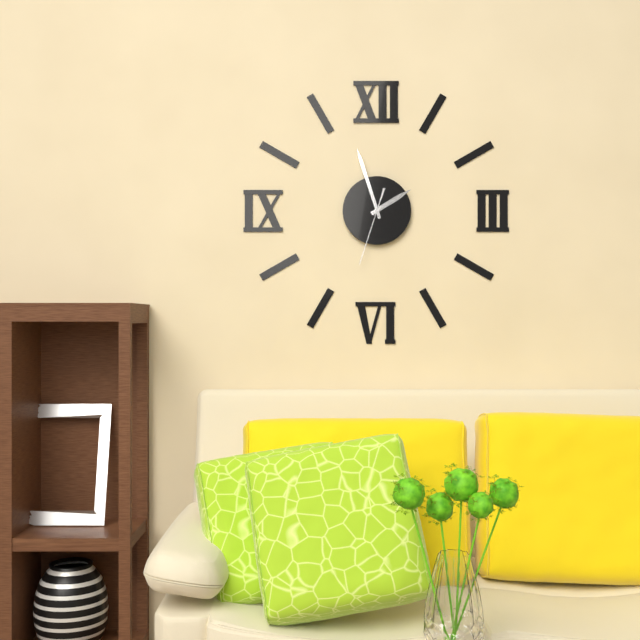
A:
1h57m33s
